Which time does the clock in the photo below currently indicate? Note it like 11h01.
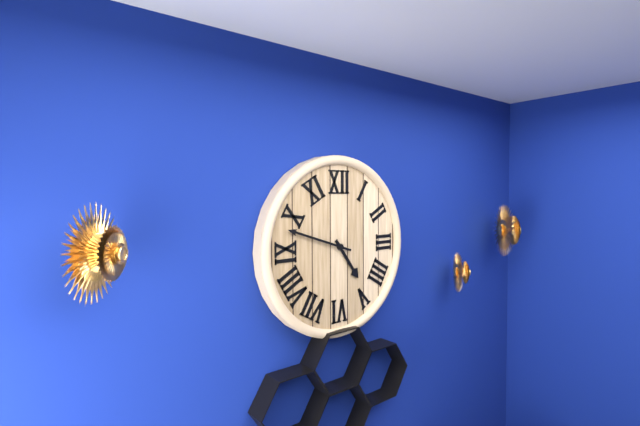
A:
4h48
